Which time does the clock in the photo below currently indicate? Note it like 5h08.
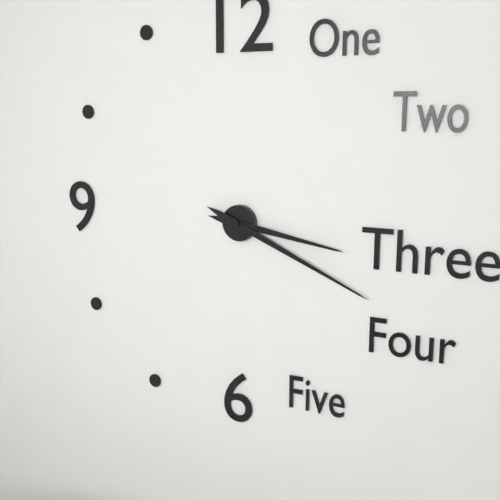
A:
3h19
